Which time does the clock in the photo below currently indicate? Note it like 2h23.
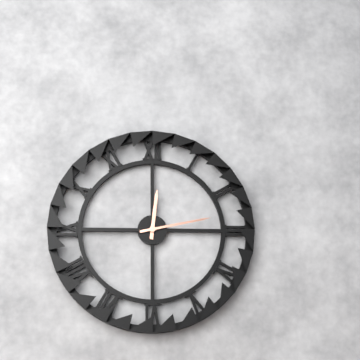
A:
12h13
